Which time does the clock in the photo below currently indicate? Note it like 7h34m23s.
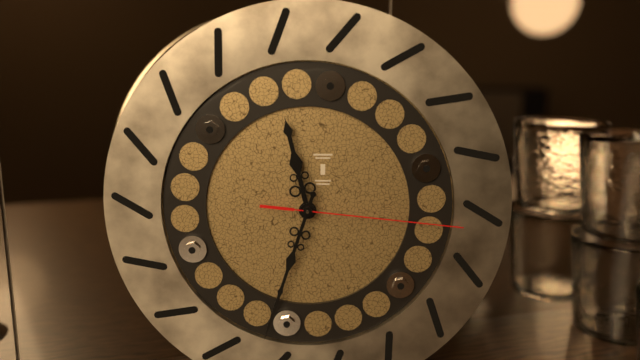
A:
11h33m16s
